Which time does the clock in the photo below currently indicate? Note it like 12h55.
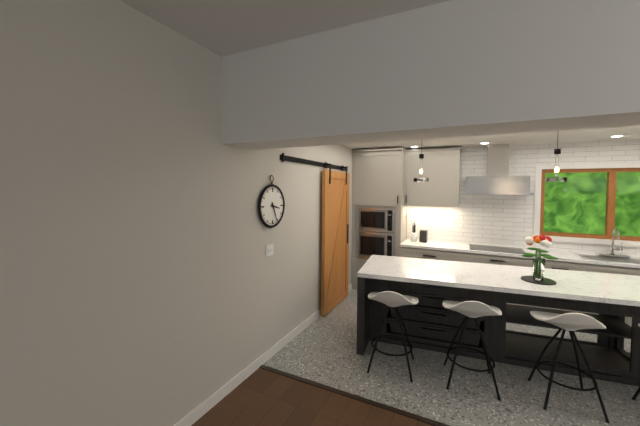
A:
3h26
